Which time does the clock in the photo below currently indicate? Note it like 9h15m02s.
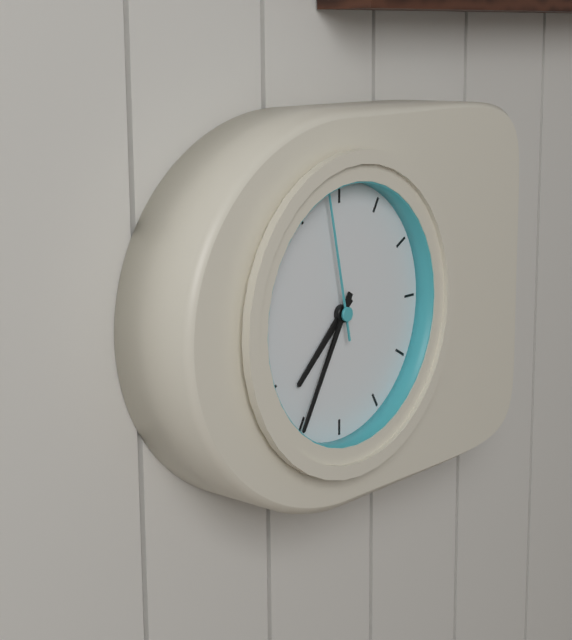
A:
7h35m58s
